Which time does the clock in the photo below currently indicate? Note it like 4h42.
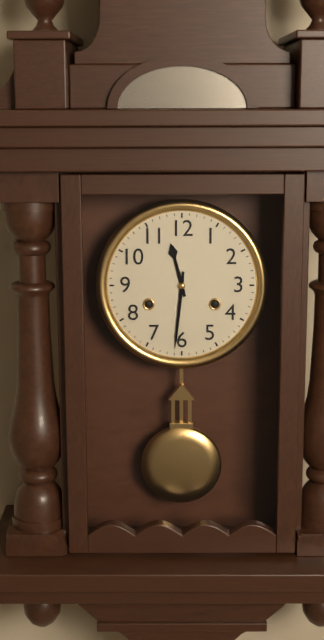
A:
11h31
